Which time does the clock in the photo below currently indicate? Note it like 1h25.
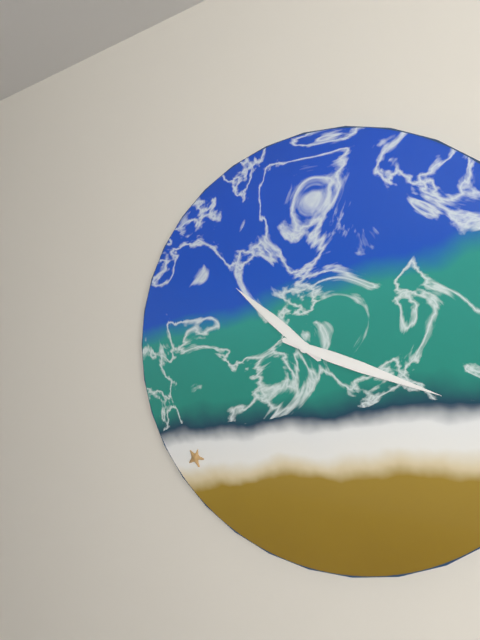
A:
10h18
